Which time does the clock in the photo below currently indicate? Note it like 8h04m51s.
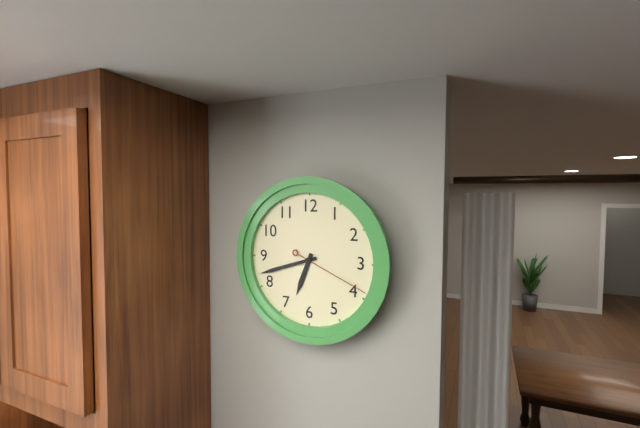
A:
6h42m19s
